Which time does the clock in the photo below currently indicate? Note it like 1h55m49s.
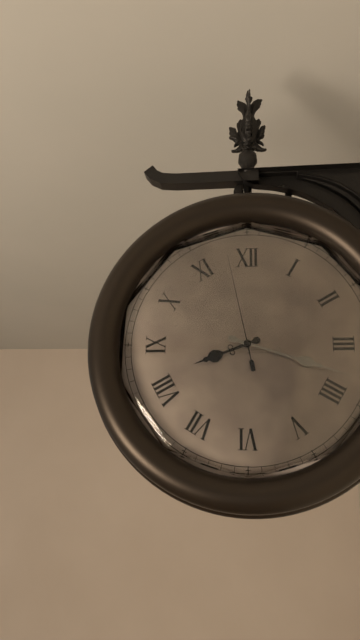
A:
8h18m58s
